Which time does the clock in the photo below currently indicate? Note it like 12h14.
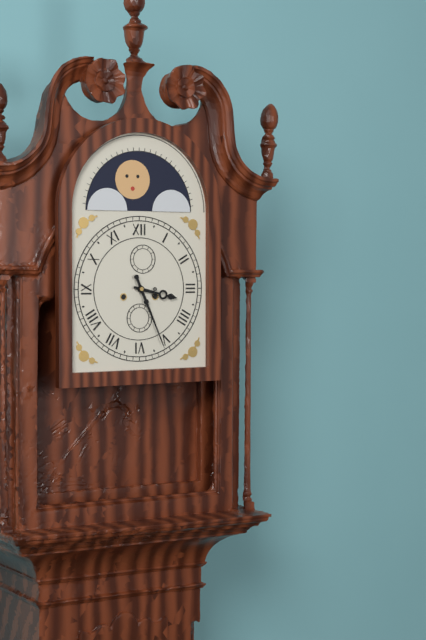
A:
3h26
